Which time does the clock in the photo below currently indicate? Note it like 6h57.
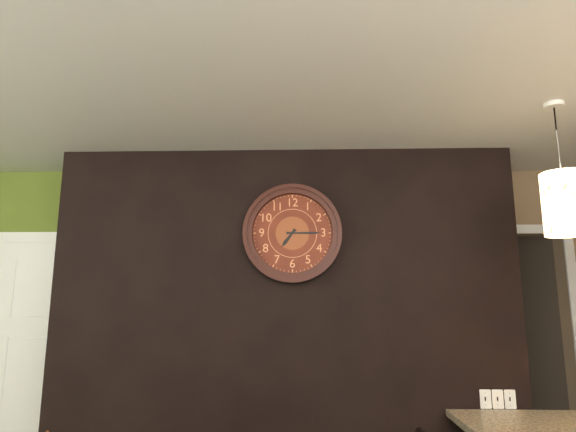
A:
7h15
